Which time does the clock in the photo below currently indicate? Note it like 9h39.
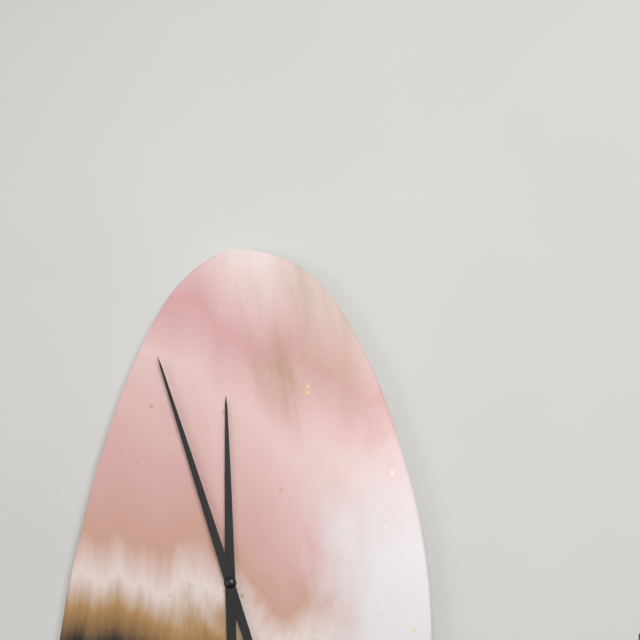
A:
11h57
